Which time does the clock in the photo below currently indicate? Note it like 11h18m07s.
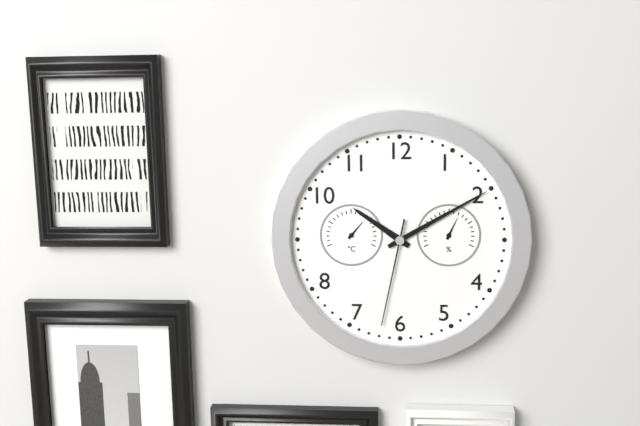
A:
10h10m32s
